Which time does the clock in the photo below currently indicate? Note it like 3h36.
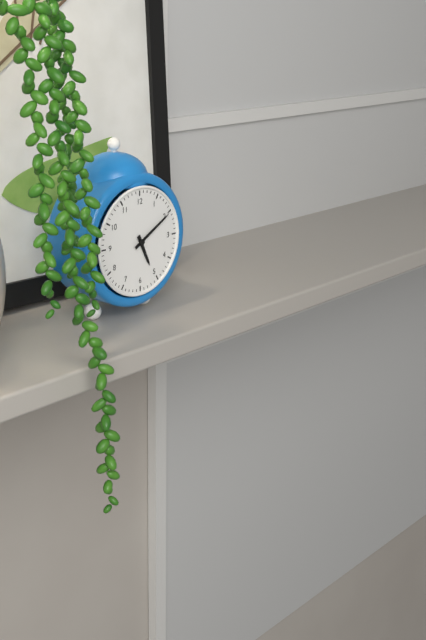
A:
5h10
